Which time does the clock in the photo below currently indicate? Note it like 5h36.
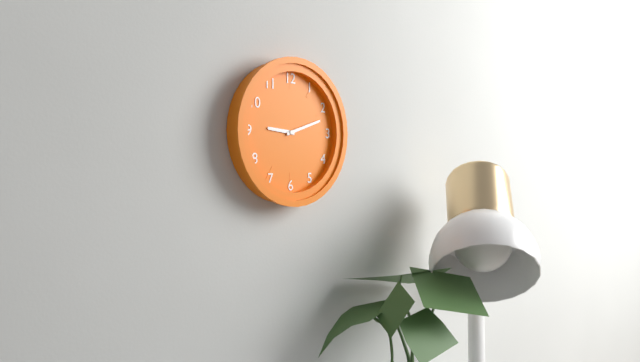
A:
9h12
